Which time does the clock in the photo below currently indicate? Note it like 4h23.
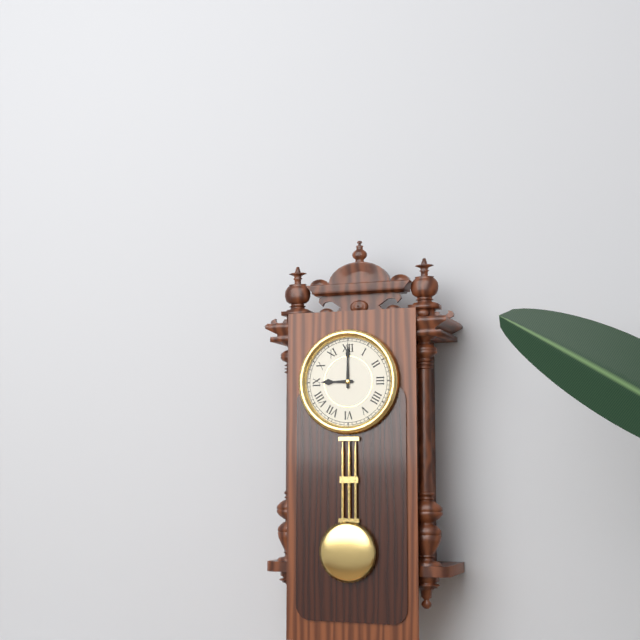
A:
9h00
